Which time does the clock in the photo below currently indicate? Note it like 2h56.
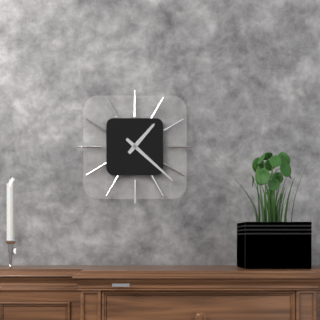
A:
1h22
